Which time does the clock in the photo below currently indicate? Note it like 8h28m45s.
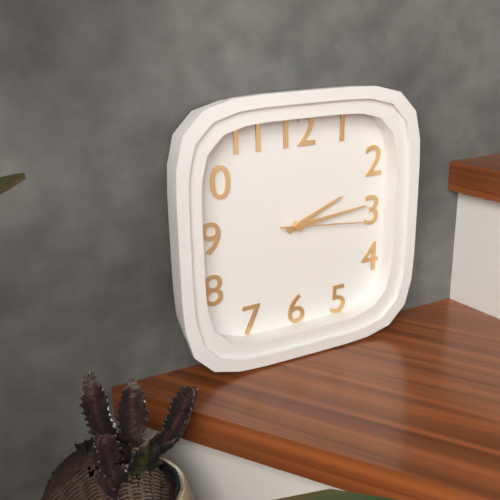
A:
2h14m16s
